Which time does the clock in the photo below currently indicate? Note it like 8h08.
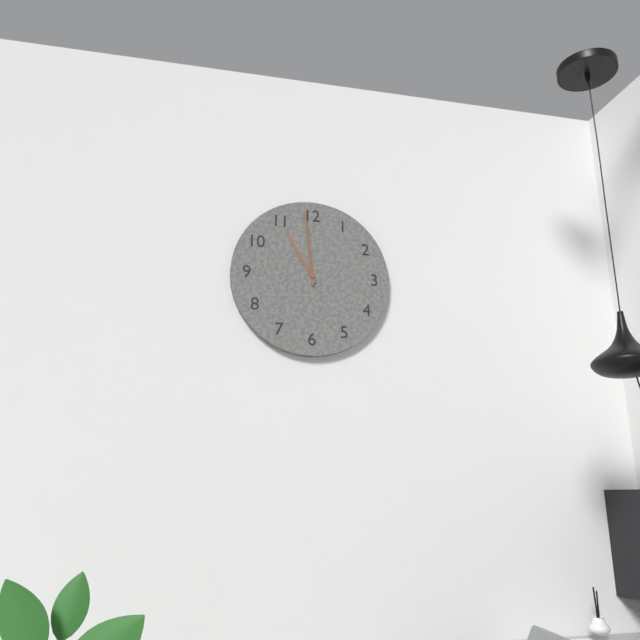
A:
10h59
